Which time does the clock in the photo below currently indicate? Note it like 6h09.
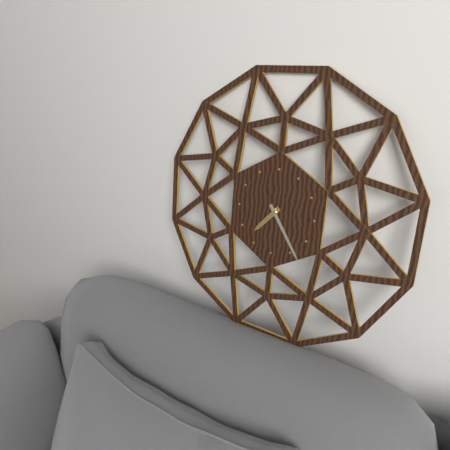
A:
7h24
